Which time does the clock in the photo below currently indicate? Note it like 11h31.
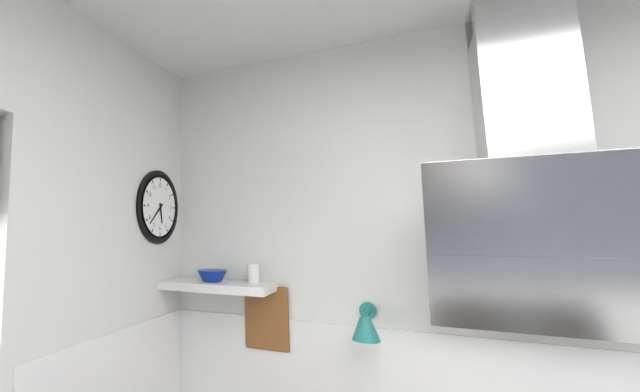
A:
5h38
